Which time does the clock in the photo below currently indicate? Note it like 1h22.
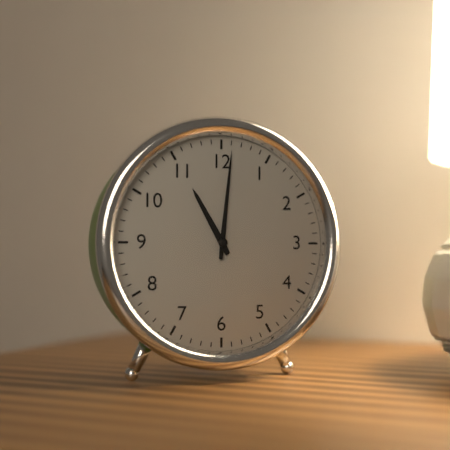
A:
11h01
